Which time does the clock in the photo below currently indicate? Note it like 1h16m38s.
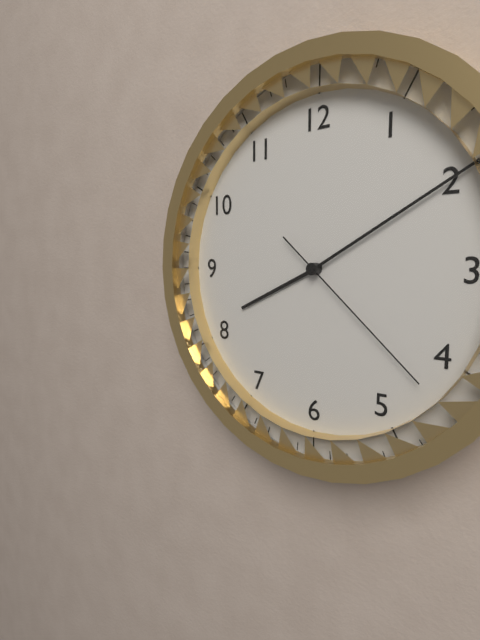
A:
8h10m22s
